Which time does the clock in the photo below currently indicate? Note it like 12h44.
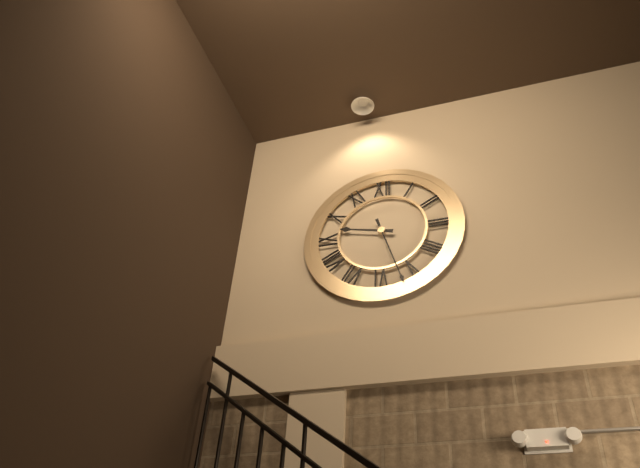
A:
9h27
